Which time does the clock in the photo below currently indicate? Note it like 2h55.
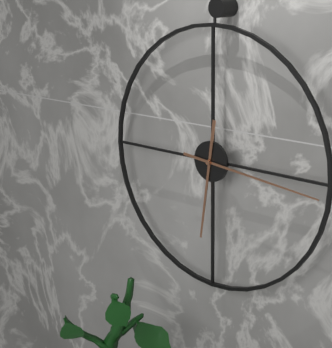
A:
6h16
